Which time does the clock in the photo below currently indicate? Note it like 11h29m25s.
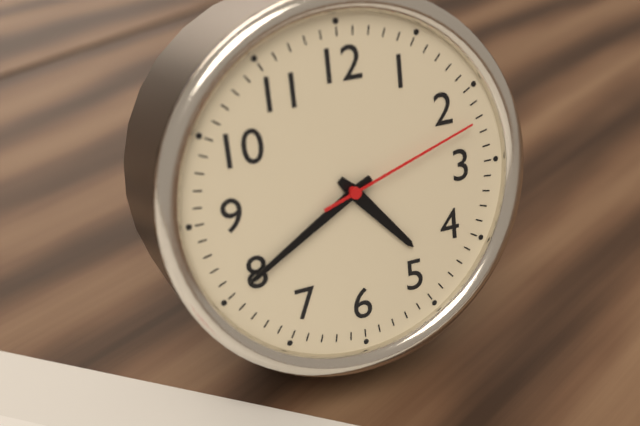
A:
4h40m12s
